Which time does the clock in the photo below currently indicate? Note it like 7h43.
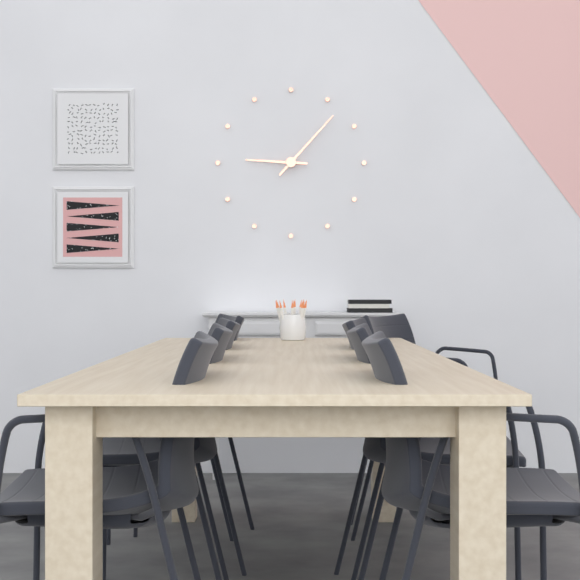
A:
9h07
